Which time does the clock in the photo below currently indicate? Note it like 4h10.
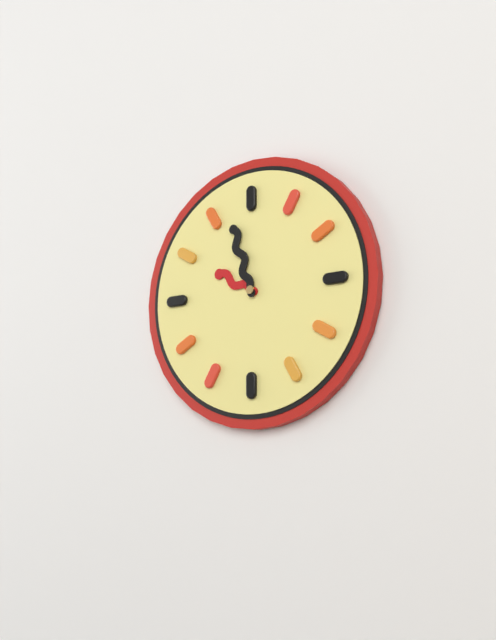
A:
9h57
